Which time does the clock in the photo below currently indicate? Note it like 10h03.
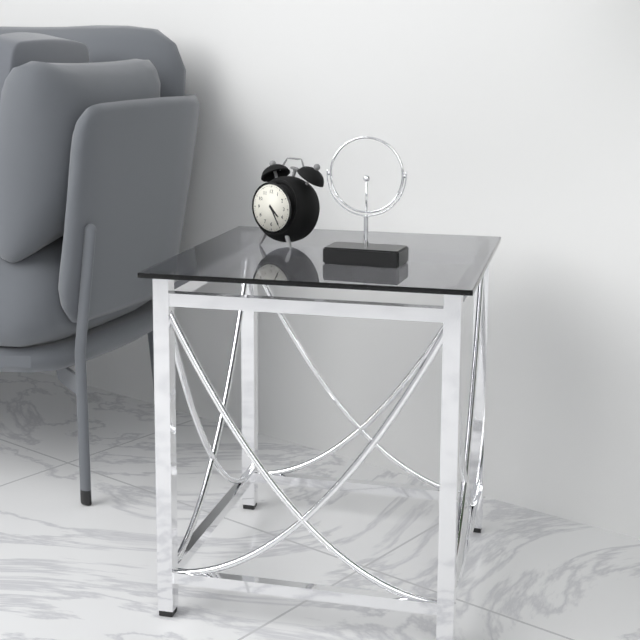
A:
4h25
